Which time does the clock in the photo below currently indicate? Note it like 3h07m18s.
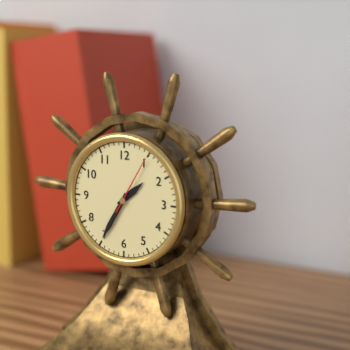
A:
1h35m05s
